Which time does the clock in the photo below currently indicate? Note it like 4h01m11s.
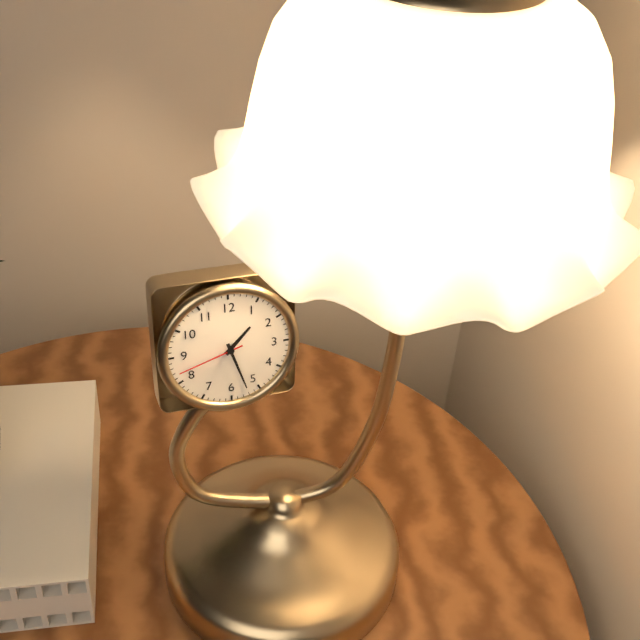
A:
1h27m42s
